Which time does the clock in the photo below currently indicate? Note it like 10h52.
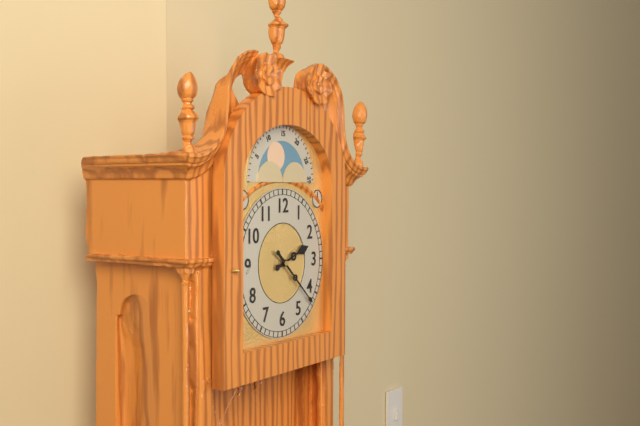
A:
2h22
